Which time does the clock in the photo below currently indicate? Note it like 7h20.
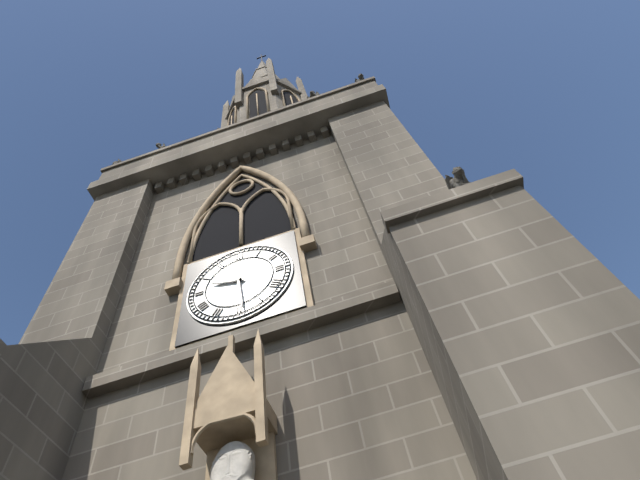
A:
9h29
